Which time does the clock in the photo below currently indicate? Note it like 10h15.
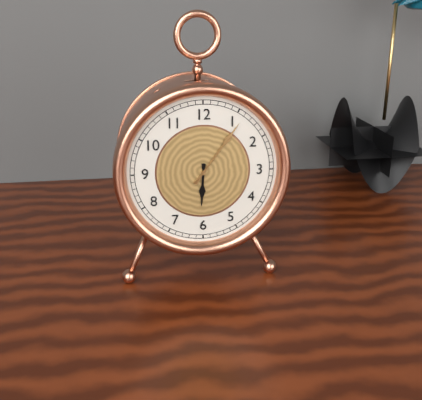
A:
6h06
